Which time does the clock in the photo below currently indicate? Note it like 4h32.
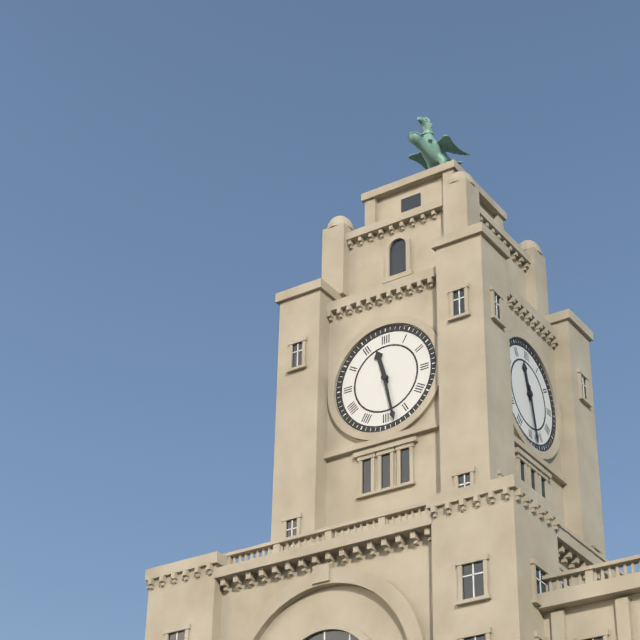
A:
11h28
